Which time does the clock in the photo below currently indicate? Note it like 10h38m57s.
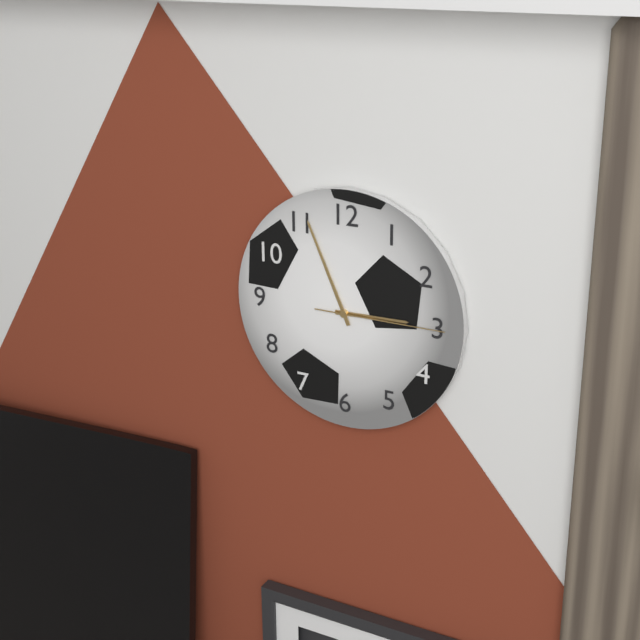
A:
2h56m15s
